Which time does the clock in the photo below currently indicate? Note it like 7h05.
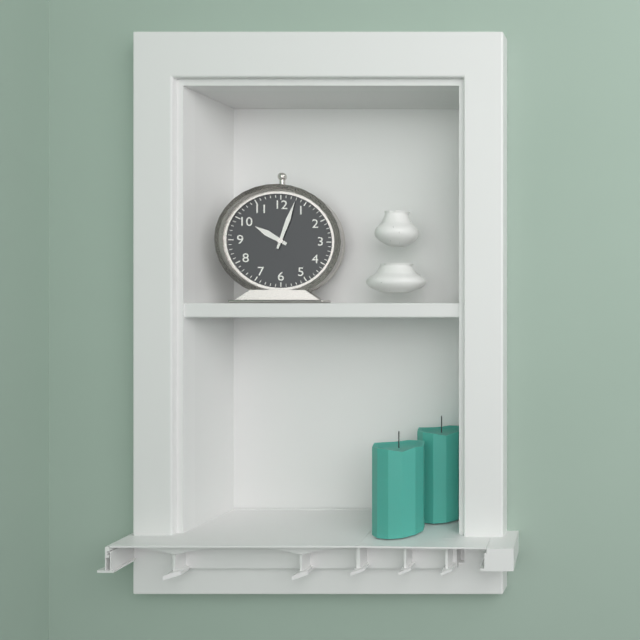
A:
10h03
